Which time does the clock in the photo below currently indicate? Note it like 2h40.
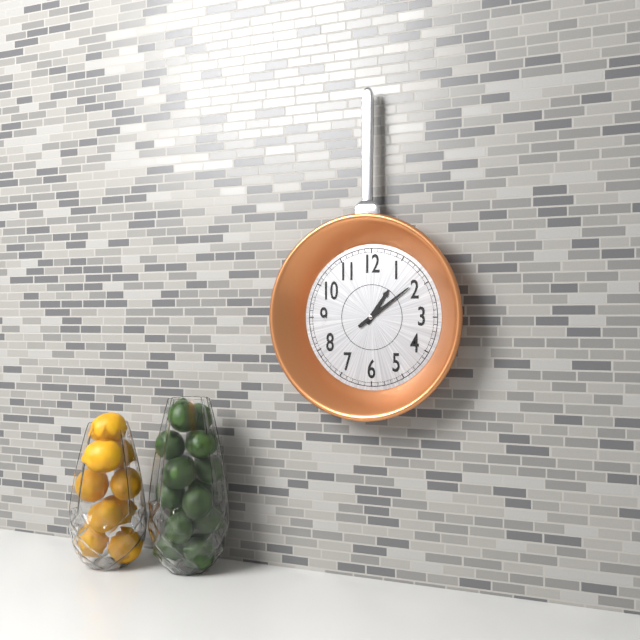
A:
1h09
